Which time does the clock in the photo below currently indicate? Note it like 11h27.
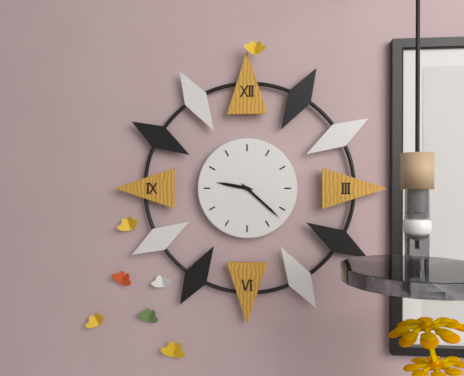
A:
9h22
